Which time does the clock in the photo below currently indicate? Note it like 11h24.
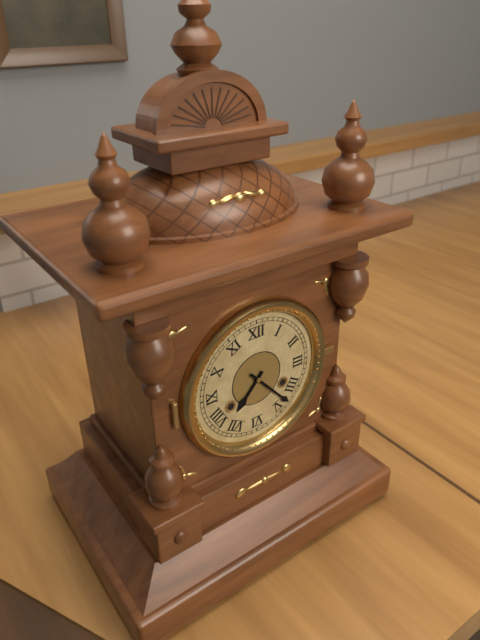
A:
7h23
